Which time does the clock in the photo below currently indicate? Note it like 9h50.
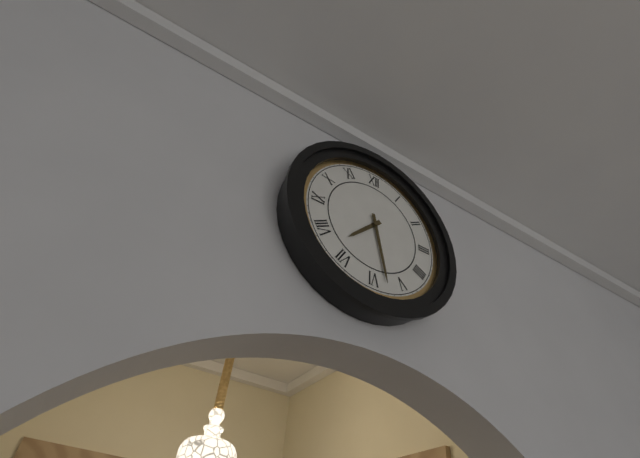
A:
7h28
